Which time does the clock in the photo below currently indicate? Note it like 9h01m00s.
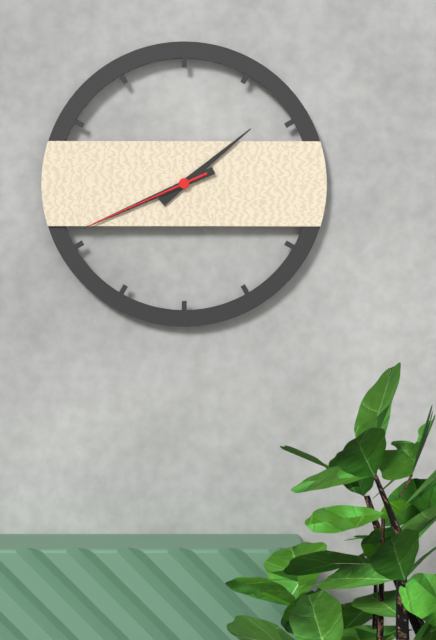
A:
1h41m41s
